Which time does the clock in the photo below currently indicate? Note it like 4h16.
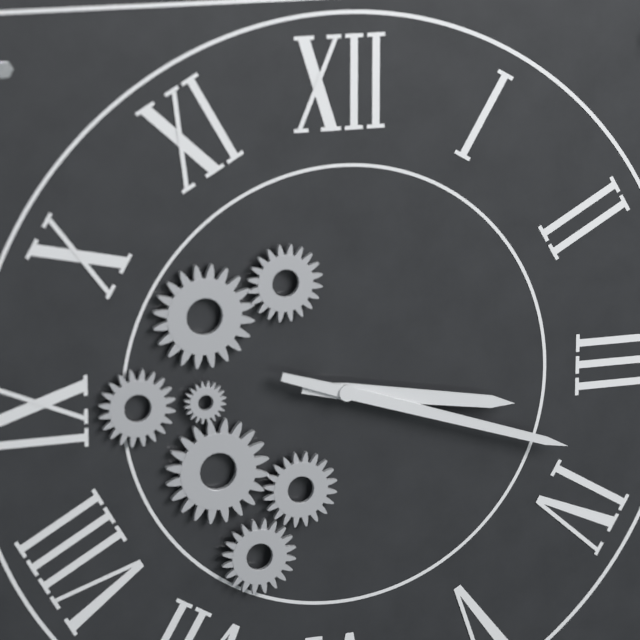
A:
3h18
